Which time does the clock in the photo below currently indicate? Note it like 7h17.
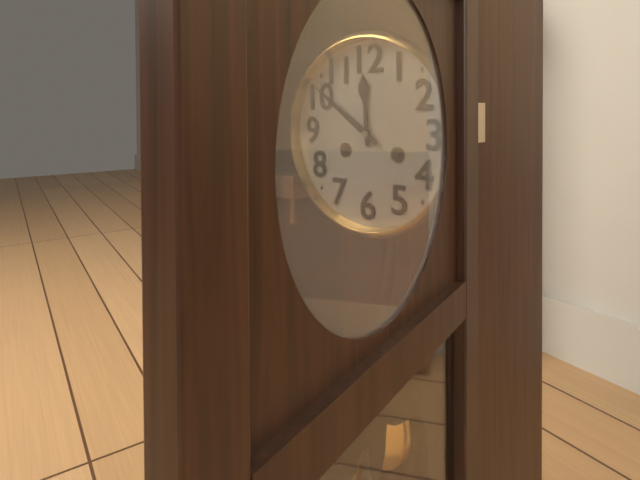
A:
11h51
